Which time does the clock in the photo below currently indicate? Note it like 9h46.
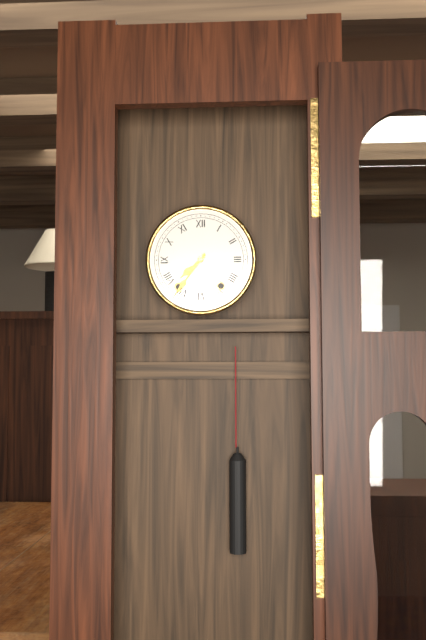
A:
7h36
